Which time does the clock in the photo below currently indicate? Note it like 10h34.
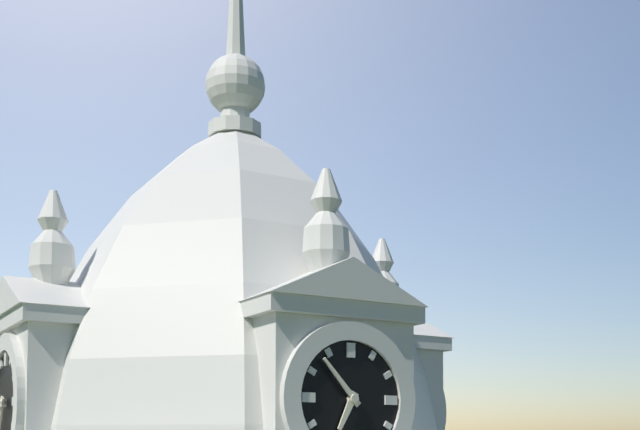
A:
6h53
